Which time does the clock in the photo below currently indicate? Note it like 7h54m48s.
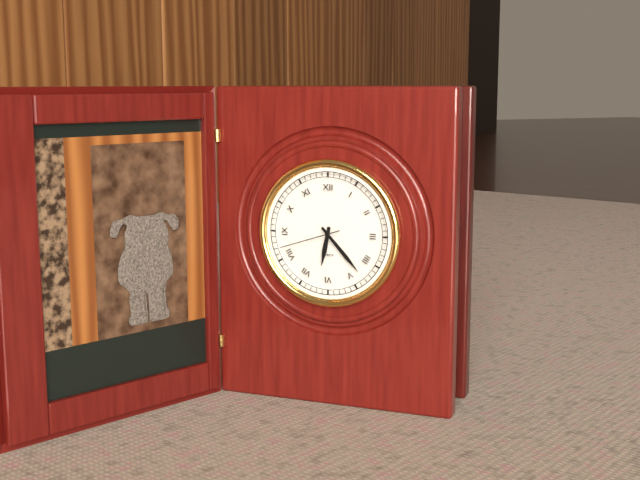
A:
6h23m42s
